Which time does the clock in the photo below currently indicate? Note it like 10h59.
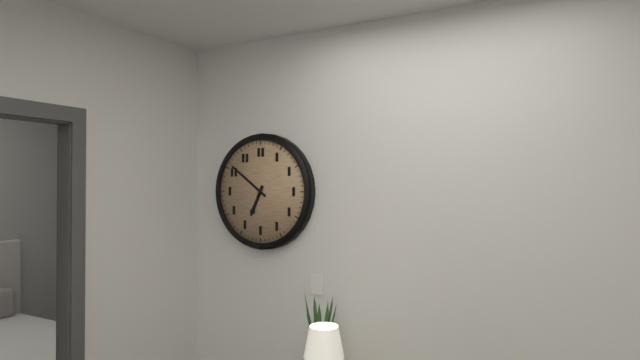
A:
6h51
